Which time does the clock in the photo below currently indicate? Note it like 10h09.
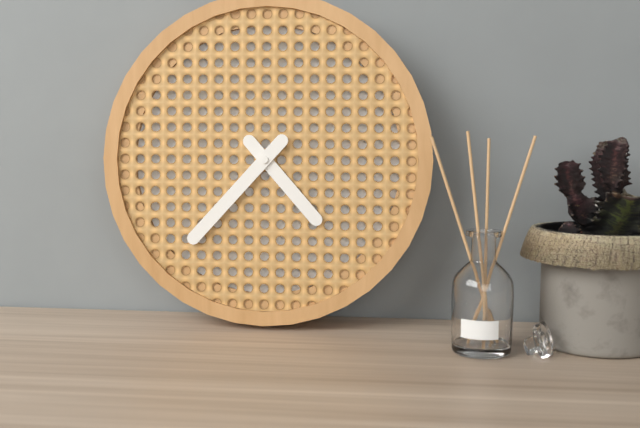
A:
4h37
